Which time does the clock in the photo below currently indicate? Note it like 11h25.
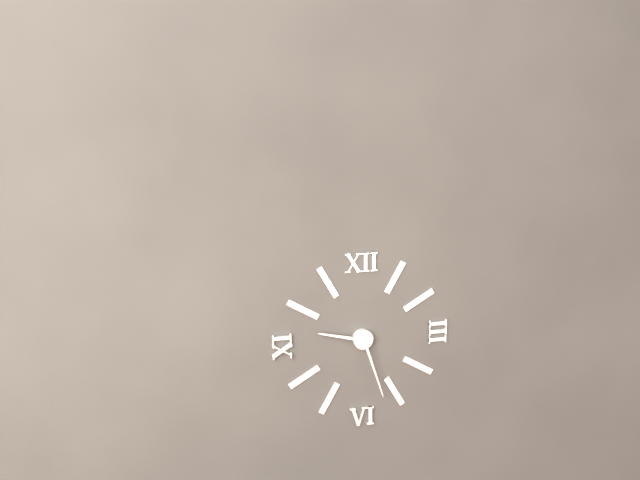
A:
9h27
